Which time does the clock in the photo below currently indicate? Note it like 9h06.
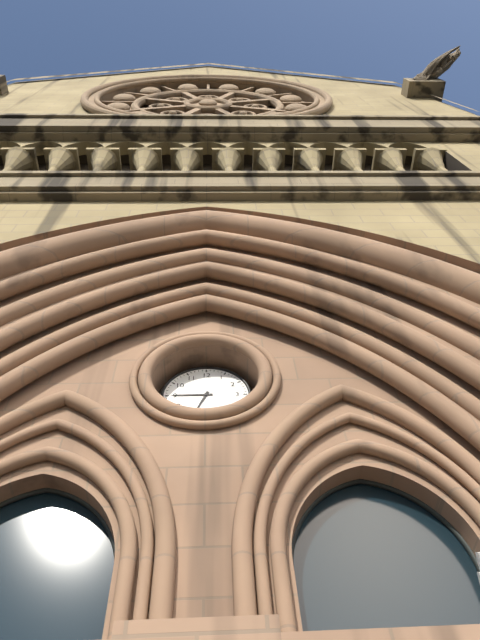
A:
6h45
